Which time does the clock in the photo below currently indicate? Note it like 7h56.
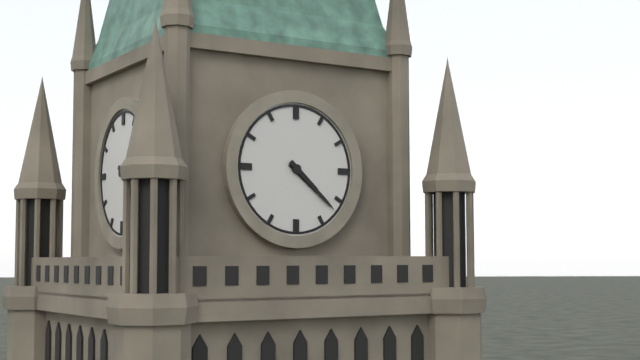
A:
4h22
